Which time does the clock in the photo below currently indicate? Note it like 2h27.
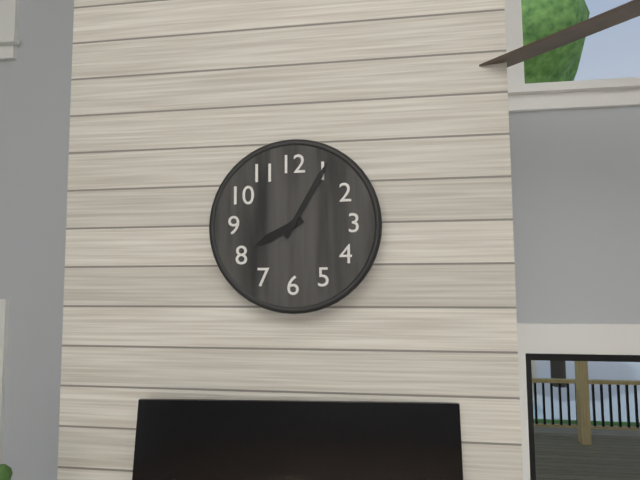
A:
8h05
